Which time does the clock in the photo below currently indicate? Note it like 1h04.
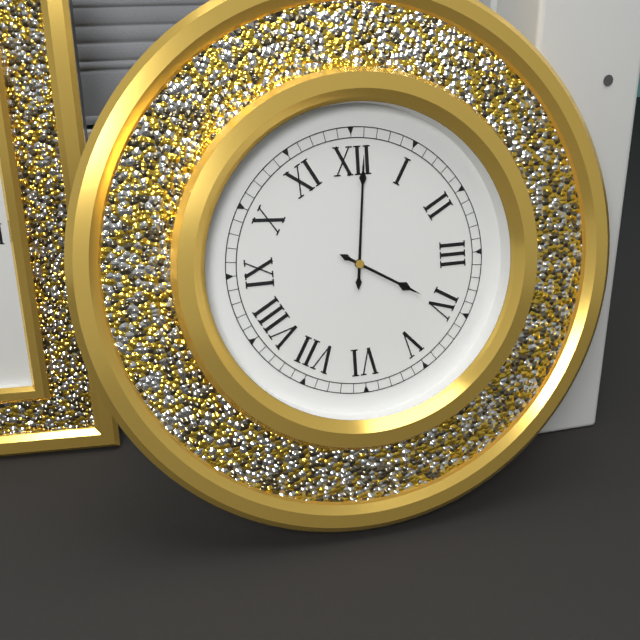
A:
4h01
